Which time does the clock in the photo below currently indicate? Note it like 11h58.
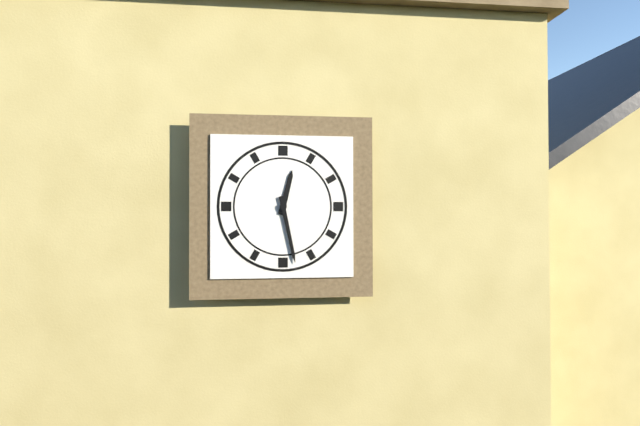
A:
12h28
